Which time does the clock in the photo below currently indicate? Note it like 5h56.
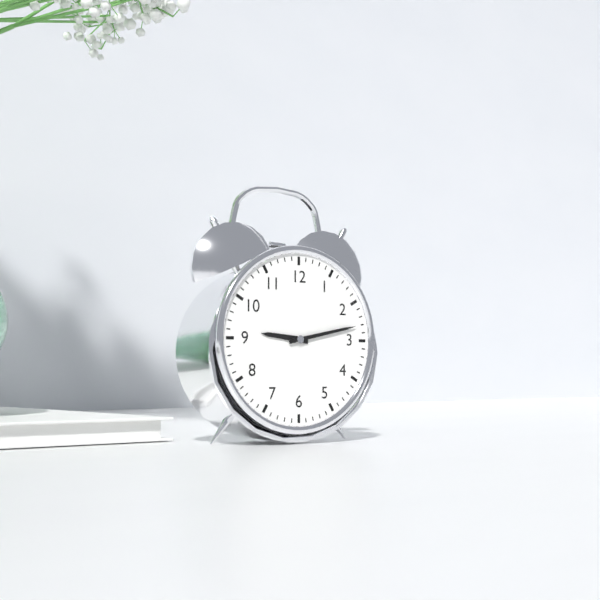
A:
9h13
